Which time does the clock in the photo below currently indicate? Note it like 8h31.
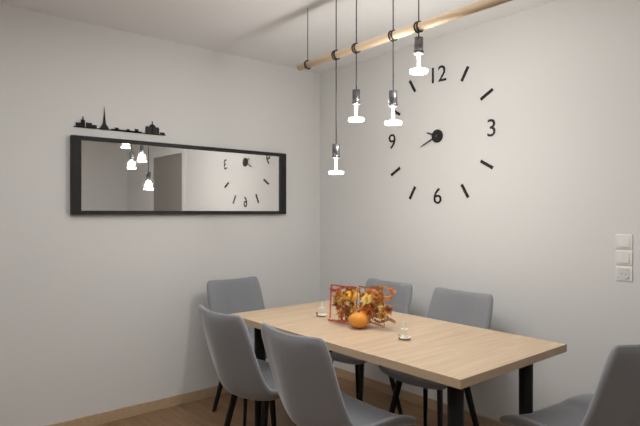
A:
9h41
